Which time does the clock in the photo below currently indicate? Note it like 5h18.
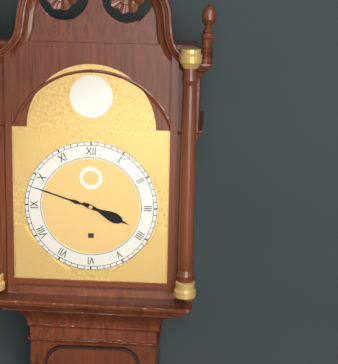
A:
3h48
